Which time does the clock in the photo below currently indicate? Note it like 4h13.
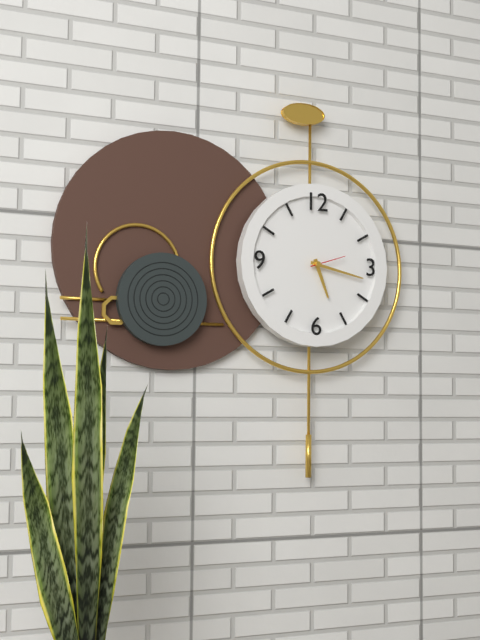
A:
5h17
